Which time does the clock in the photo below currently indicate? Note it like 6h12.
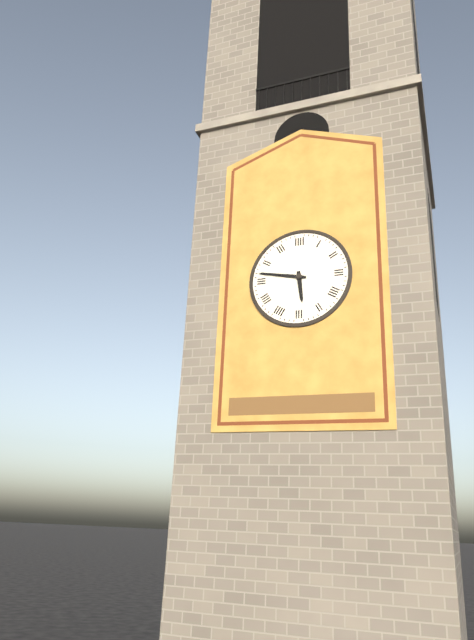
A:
5h47
